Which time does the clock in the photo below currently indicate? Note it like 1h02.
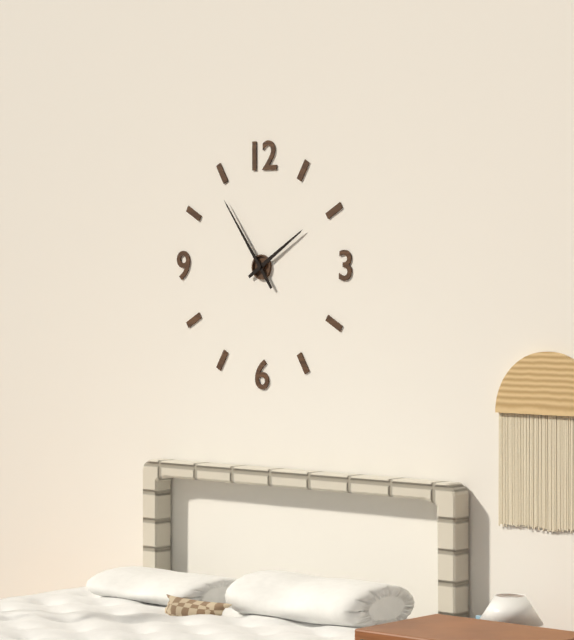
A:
1h54
